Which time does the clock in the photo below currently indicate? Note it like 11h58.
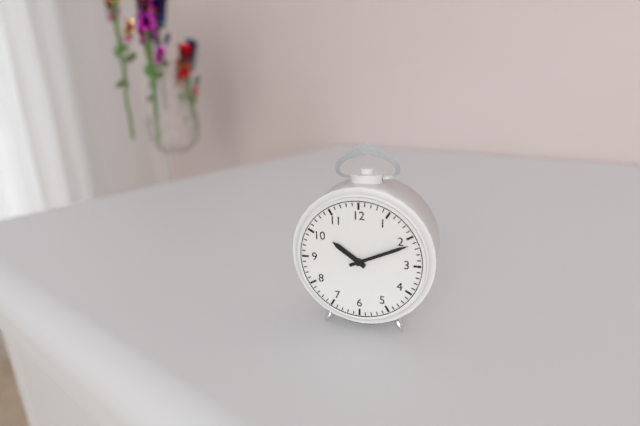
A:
10h11
